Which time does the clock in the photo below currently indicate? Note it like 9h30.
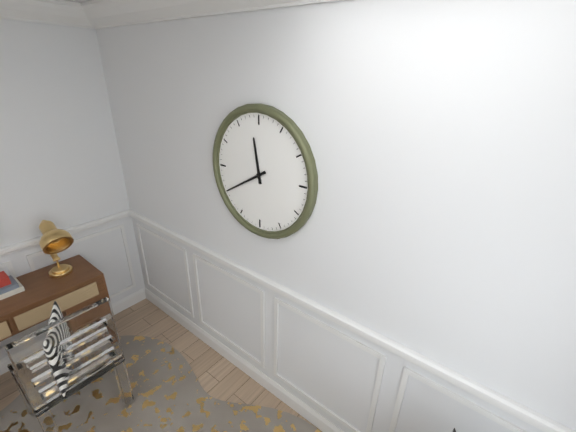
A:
11h40
